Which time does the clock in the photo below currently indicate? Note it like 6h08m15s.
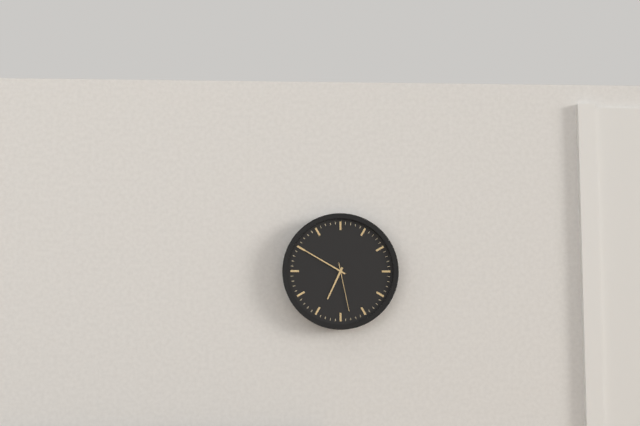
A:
6h50m28s
